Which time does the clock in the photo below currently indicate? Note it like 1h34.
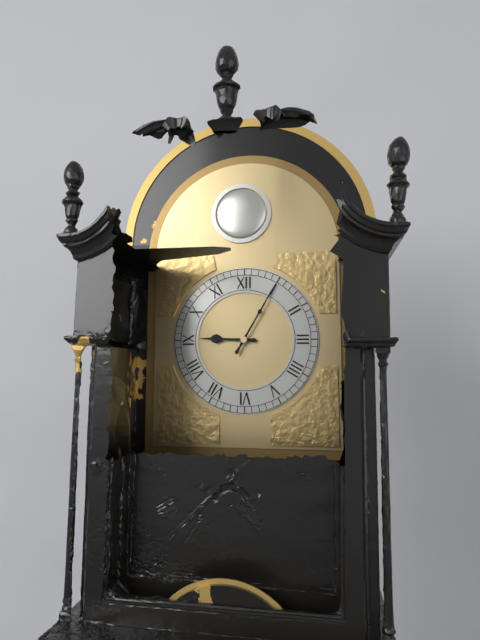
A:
9h05
